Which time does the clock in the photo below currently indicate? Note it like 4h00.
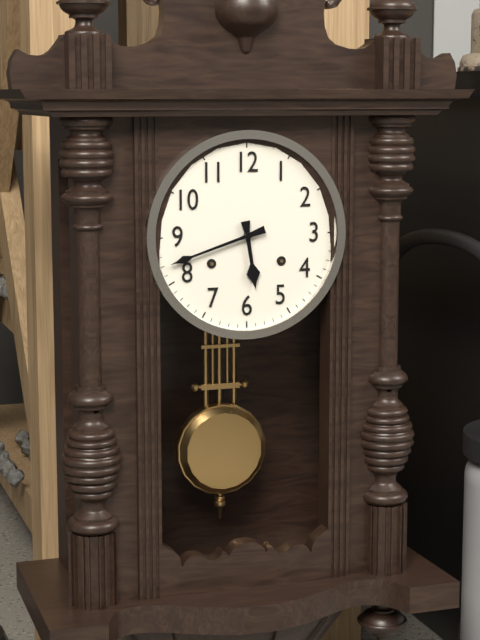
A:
5h42
